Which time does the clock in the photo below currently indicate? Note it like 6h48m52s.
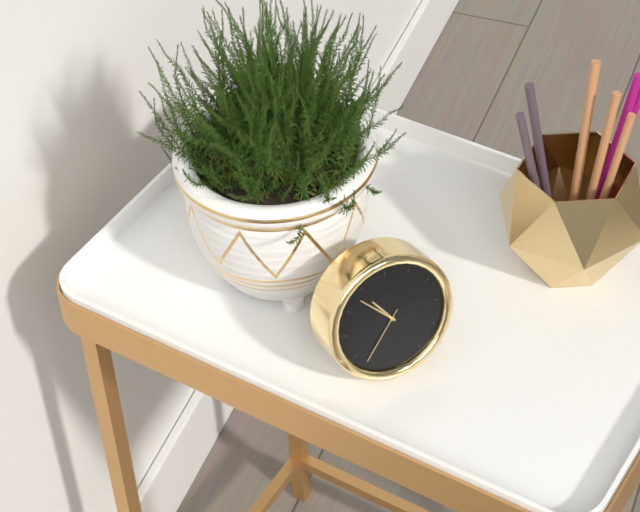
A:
10h53m37s
